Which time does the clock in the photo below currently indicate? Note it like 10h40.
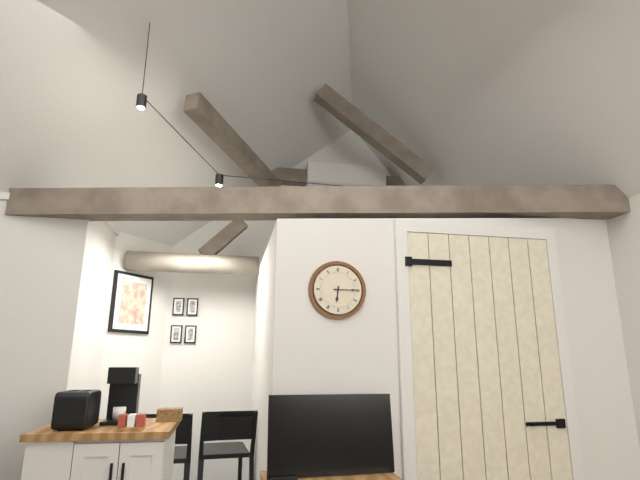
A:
6h15
